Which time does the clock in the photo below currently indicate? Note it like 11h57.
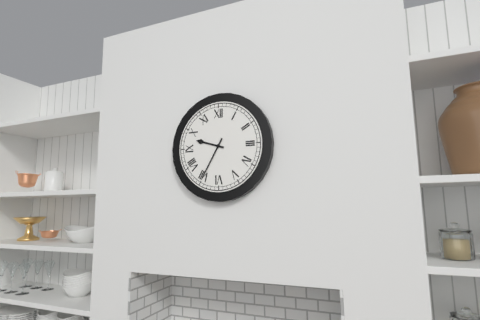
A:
9h35
